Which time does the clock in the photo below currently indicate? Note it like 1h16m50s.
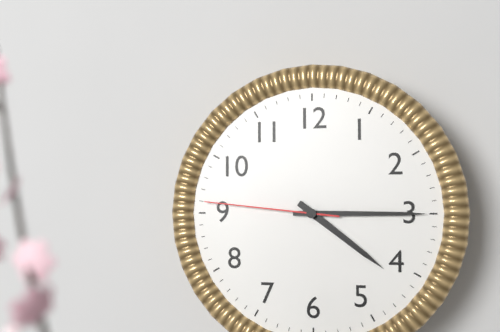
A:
4h15m46s
